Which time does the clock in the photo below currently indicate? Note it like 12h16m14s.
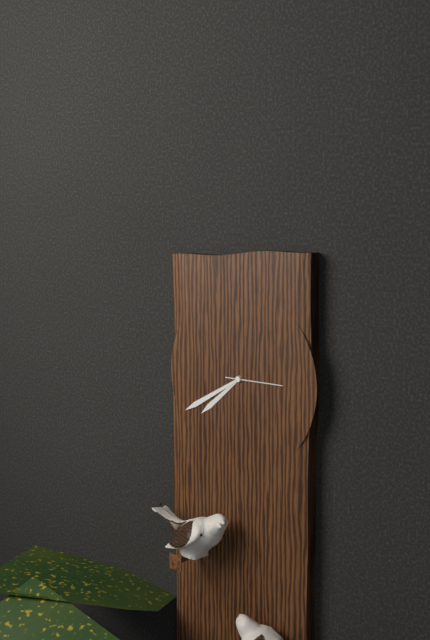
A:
7h40m15s
